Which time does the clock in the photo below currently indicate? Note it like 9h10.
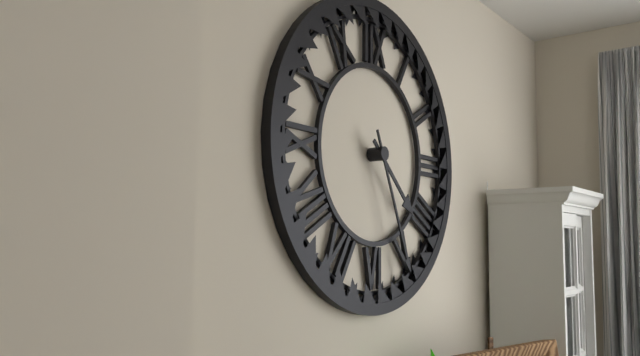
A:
4h26
